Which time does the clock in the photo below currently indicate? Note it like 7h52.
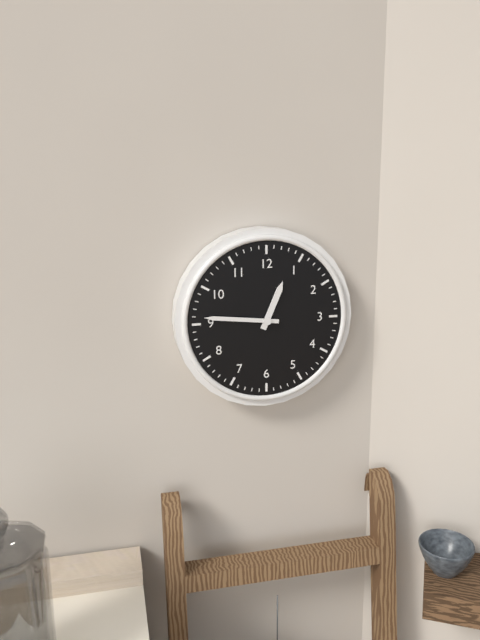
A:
12h46
